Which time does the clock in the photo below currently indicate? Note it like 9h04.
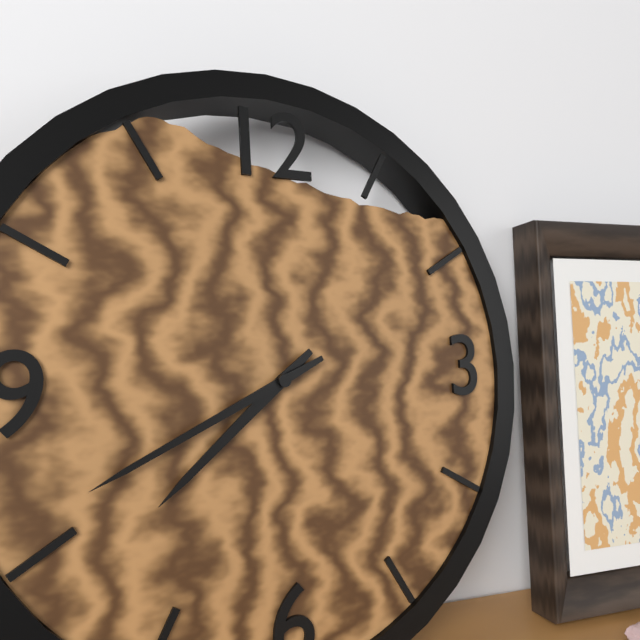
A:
7h41
